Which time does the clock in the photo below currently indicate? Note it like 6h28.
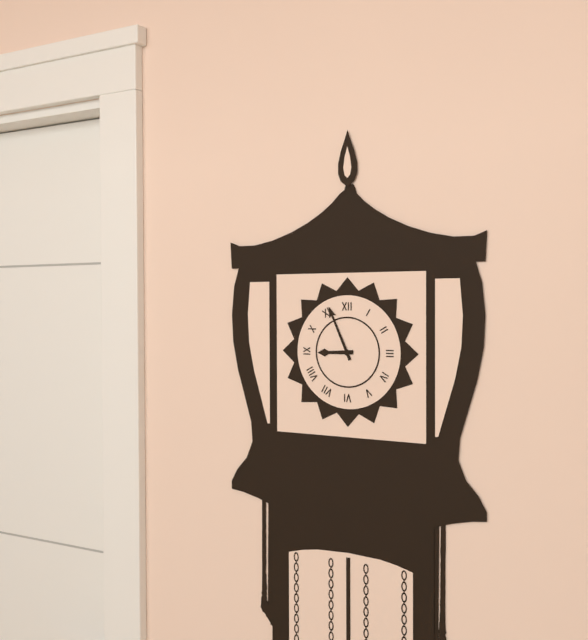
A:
8h56
